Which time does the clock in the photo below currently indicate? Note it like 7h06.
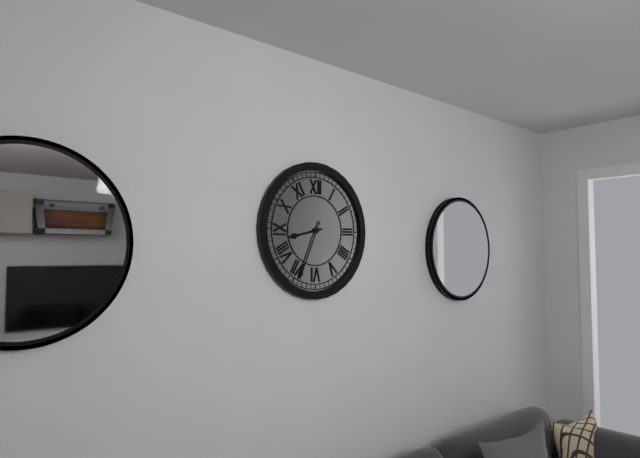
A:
8h34
